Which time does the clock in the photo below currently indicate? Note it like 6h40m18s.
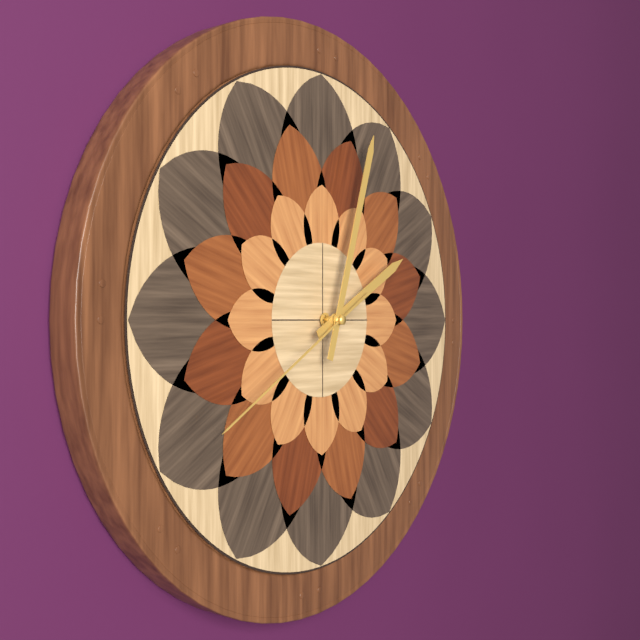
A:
2h03m40s
